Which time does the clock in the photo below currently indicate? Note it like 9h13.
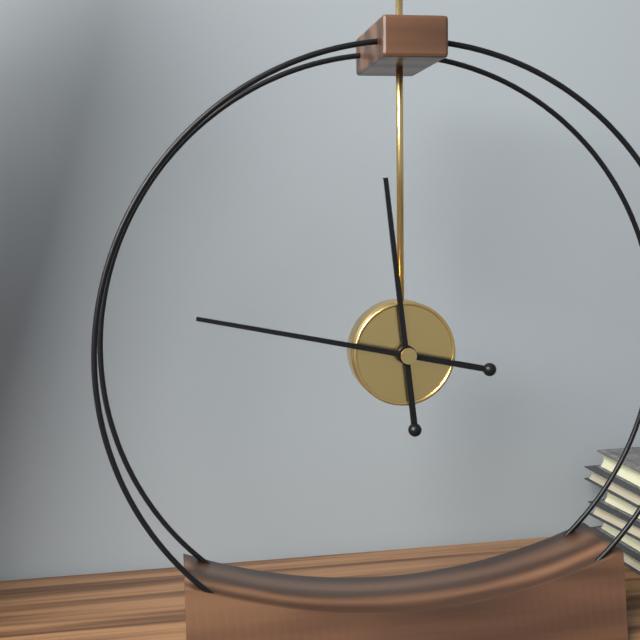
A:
11h47
